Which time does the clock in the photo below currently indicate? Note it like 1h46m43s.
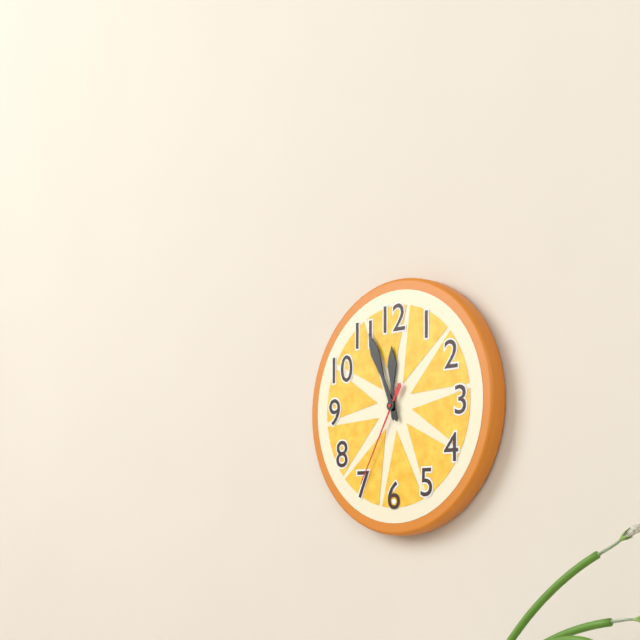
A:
11h56m35s
